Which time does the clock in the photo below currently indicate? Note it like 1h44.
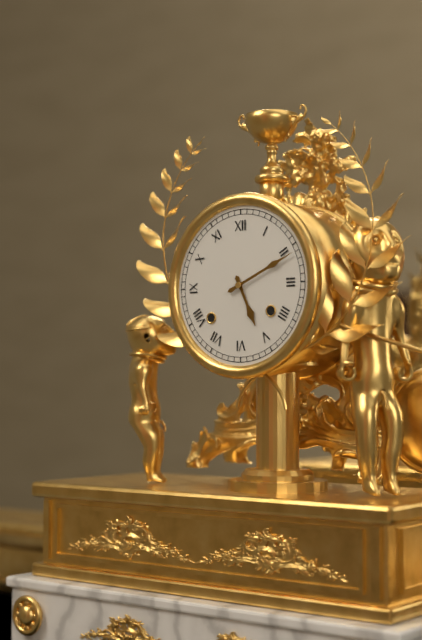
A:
5h11
